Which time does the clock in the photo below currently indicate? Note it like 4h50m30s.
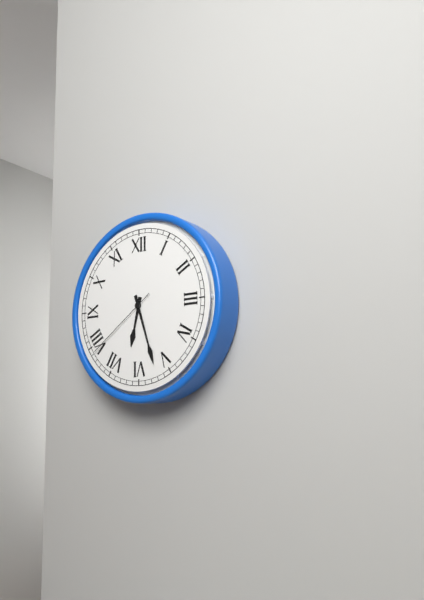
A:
6h27m39s
